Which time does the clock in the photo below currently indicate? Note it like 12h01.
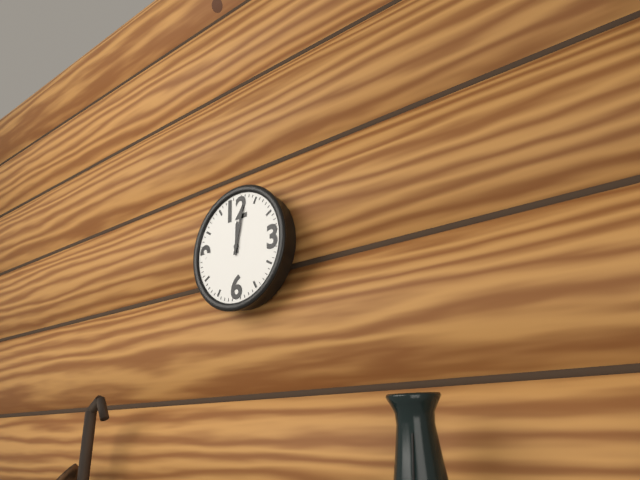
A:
12h02
